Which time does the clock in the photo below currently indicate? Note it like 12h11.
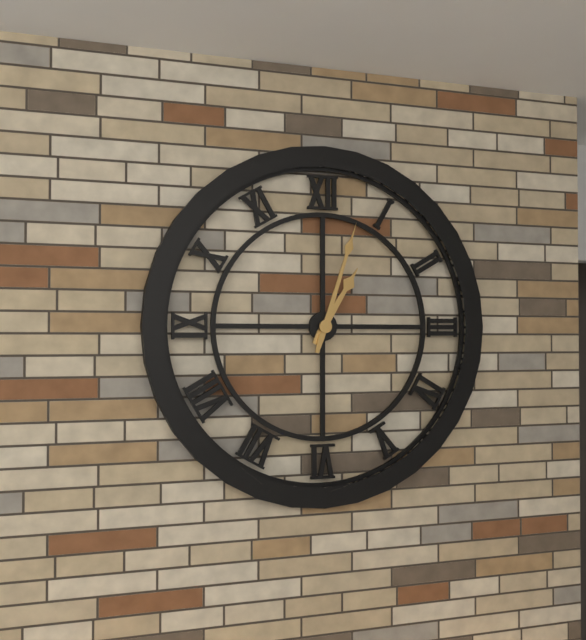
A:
1h03
